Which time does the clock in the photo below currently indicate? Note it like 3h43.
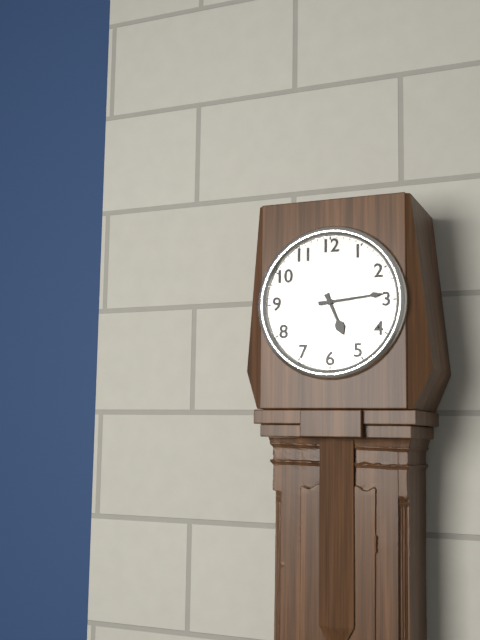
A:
5h14
